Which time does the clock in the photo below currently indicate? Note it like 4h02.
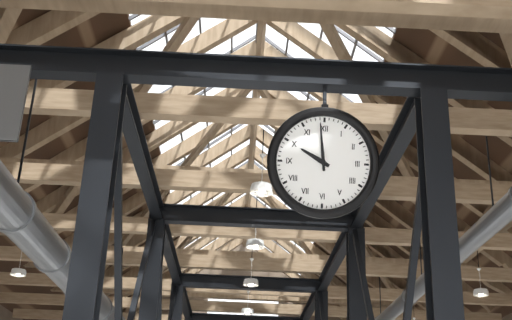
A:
9h59
